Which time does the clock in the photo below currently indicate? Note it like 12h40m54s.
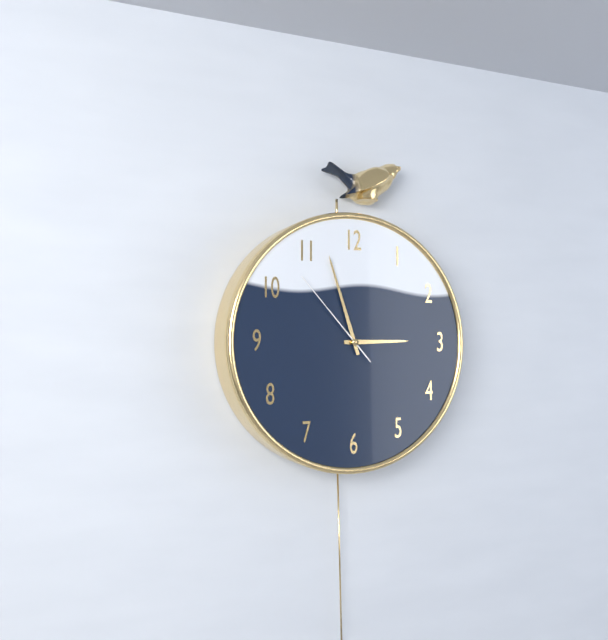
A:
2h57m53s
